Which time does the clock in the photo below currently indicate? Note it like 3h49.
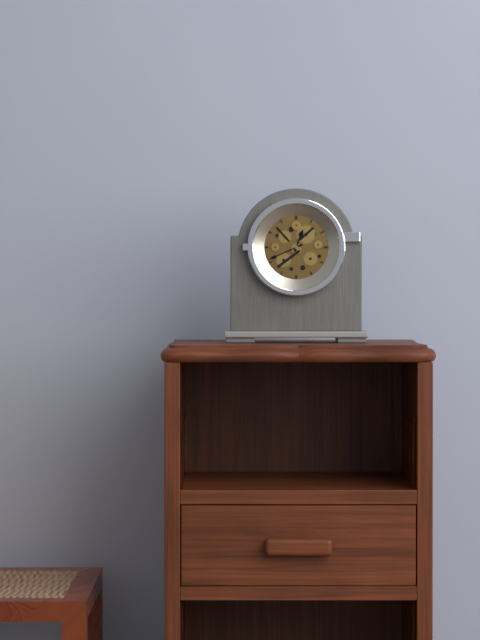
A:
12h41
